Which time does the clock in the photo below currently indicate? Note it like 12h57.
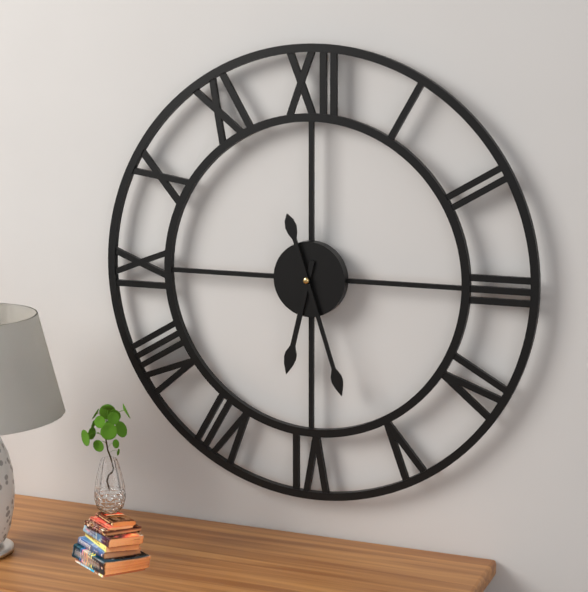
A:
6h27
